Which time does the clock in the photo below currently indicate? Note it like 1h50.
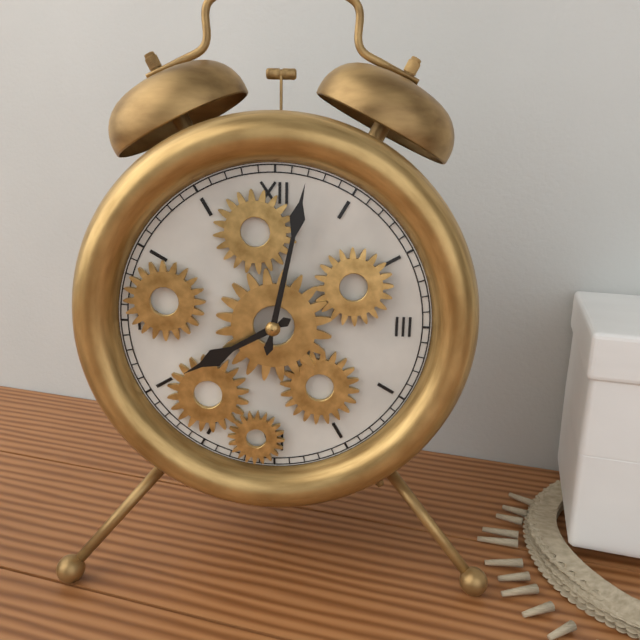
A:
8h02
